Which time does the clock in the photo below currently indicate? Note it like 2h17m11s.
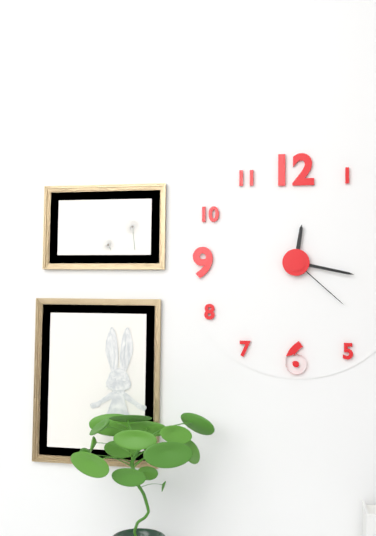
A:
12h17m22s
